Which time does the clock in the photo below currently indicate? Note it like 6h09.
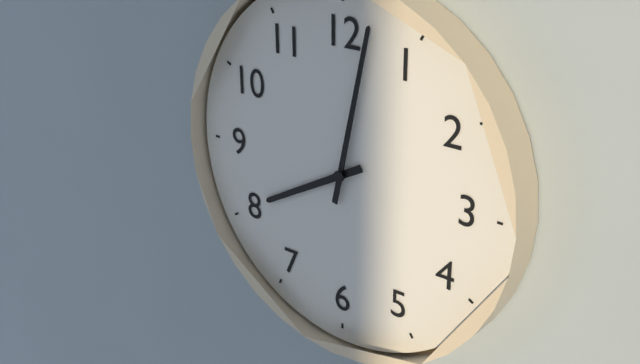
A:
8h02
